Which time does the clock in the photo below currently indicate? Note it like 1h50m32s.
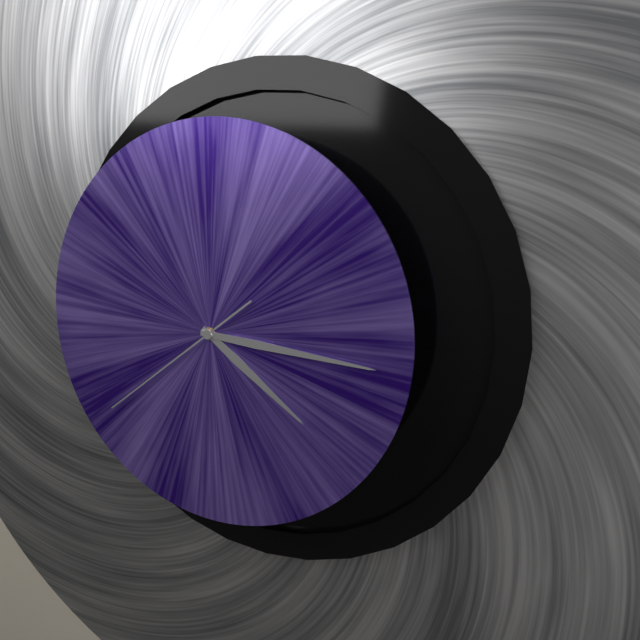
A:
4h16m39s
